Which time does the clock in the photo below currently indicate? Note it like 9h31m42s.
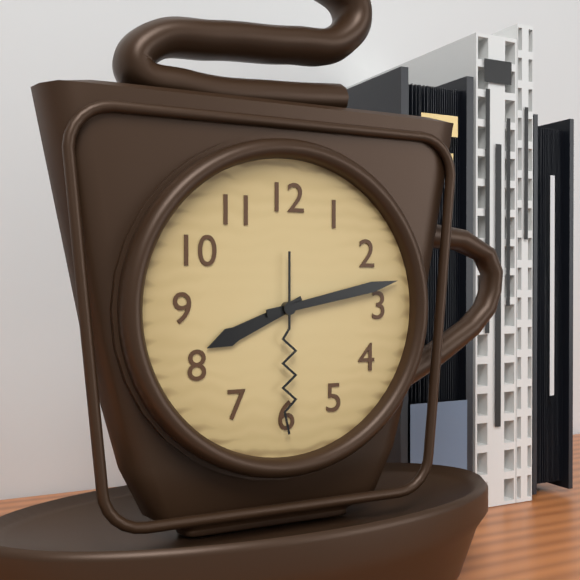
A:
8h13m30s
